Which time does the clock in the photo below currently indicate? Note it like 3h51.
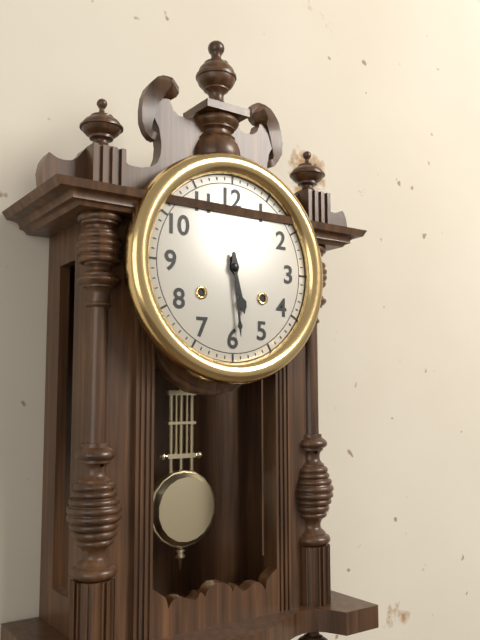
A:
5h29
